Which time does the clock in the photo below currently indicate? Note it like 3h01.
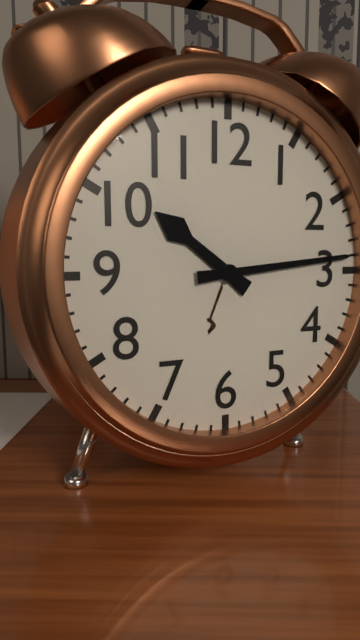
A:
10h14
